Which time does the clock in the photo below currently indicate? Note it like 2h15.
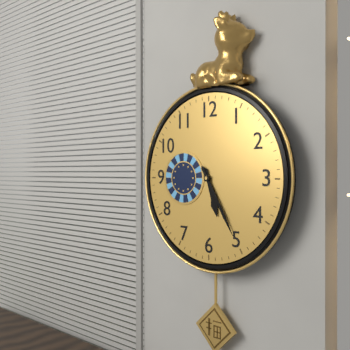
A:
5h25
